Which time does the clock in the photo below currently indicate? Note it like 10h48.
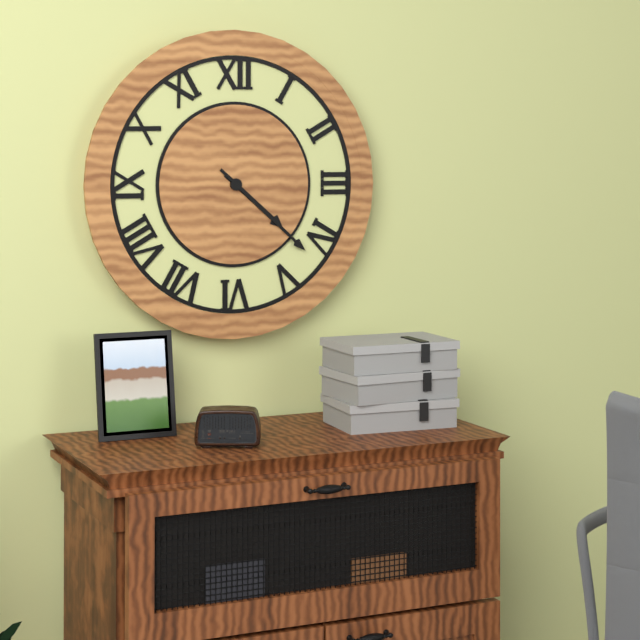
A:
4h22
